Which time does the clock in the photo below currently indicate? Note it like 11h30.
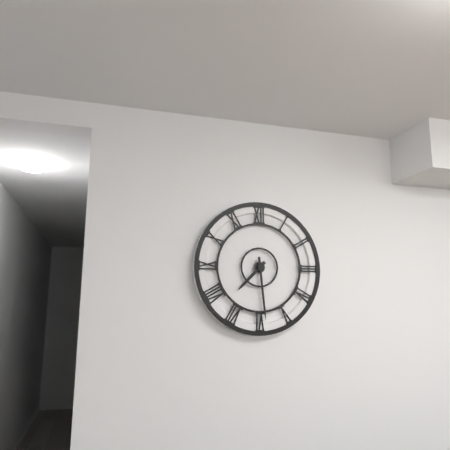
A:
7h29
